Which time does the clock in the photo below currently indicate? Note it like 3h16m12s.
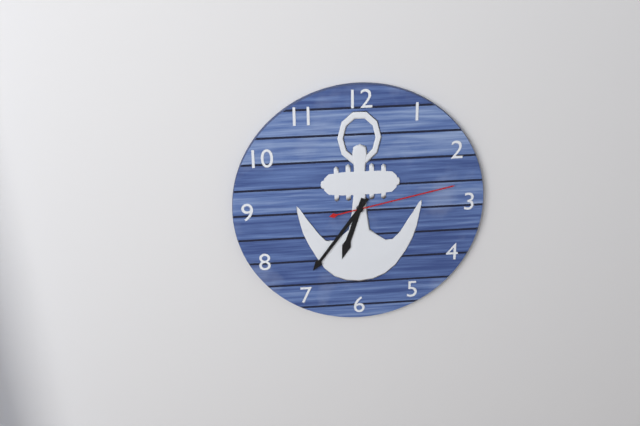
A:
6h36m13s
